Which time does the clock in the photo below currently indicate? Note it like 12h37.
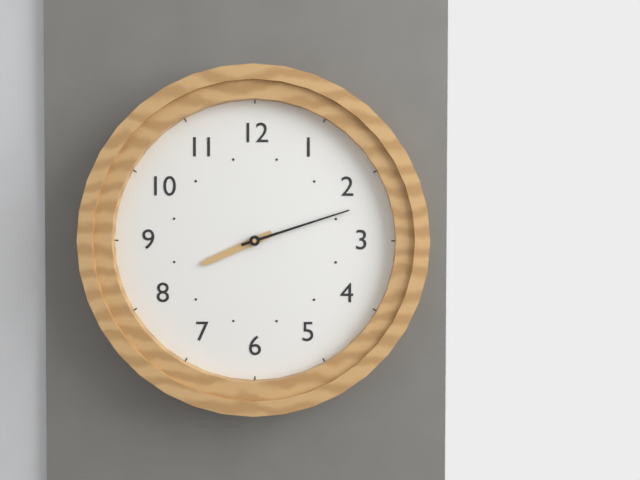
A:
8h12
